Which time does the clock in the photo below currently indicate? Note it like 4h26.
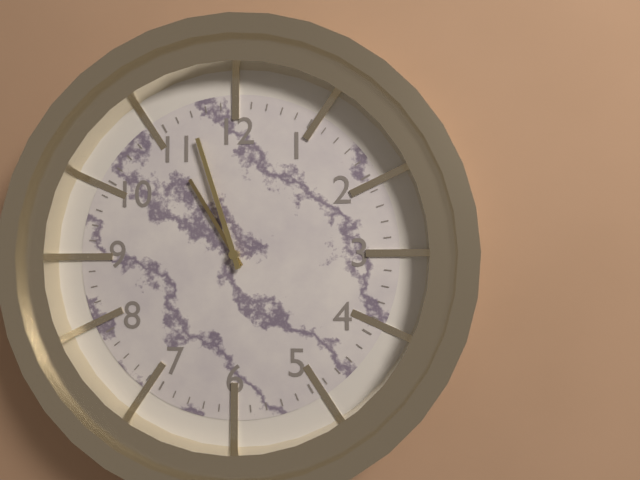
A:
10h57
